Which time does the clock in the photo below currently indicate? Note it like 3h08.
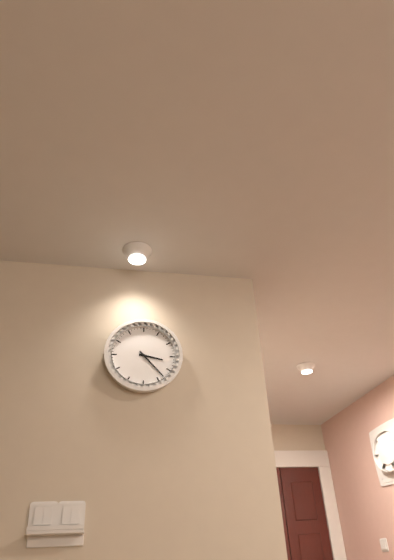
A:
3h23
